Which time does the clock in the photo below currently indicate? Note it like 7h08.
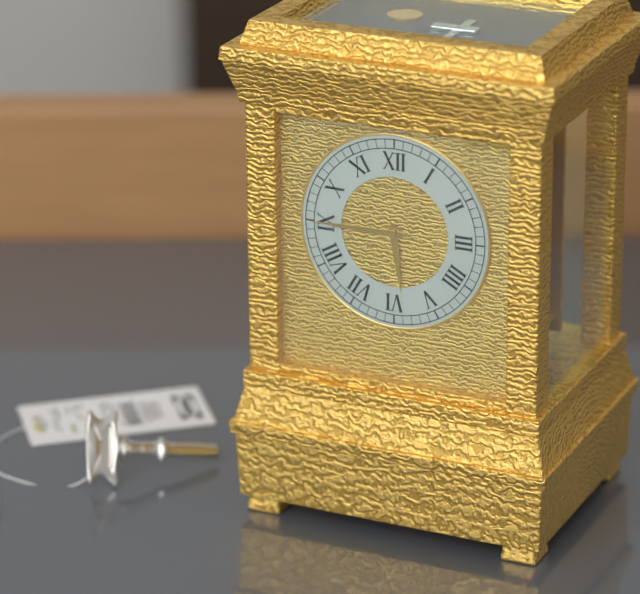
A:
5h45
